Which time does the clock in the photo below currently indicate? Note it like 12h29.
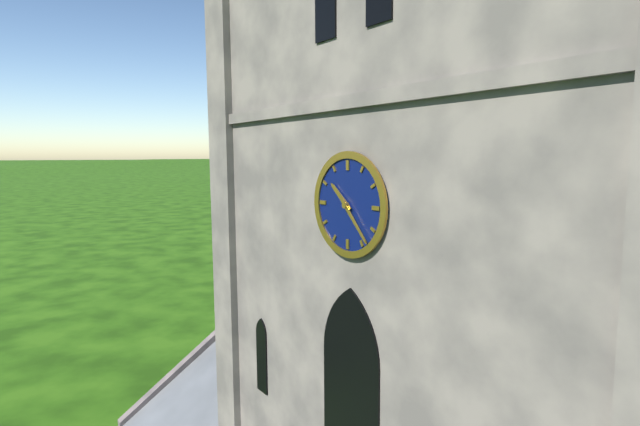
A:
10h23
